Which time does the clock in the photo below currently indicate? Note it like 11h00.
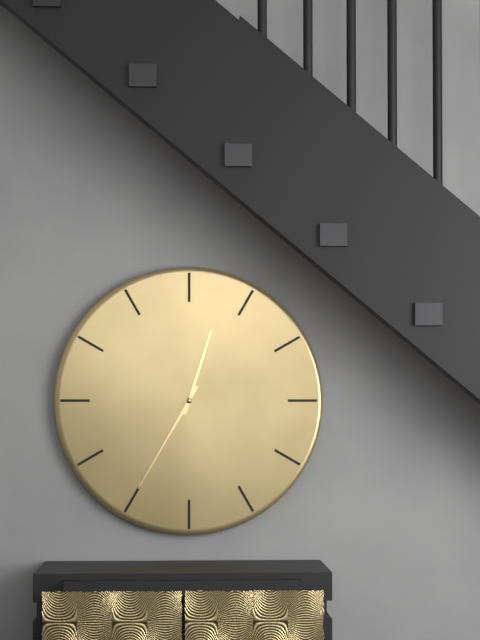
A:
12h35
